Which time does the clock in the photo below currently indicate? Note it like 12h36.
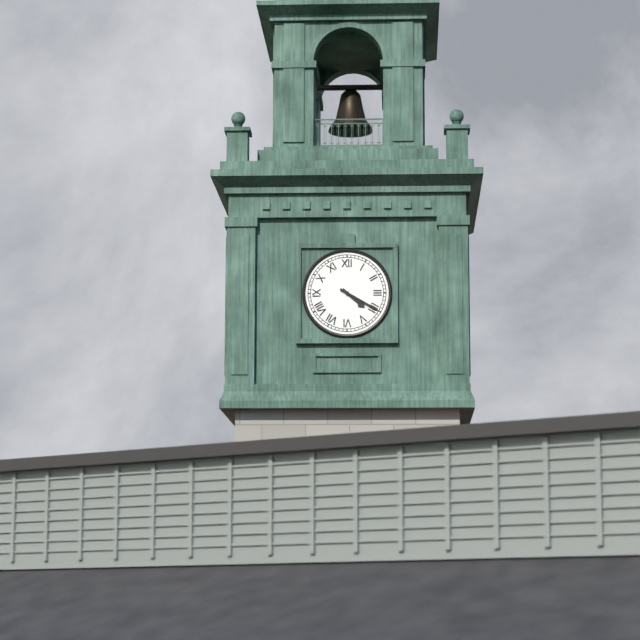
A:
4h20
